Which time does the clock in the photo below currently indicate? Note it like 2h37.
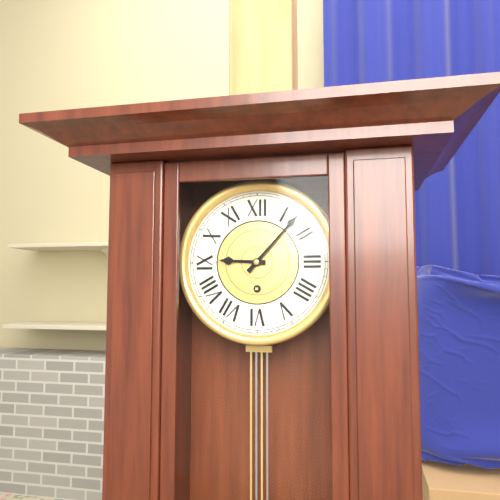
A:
9h07
